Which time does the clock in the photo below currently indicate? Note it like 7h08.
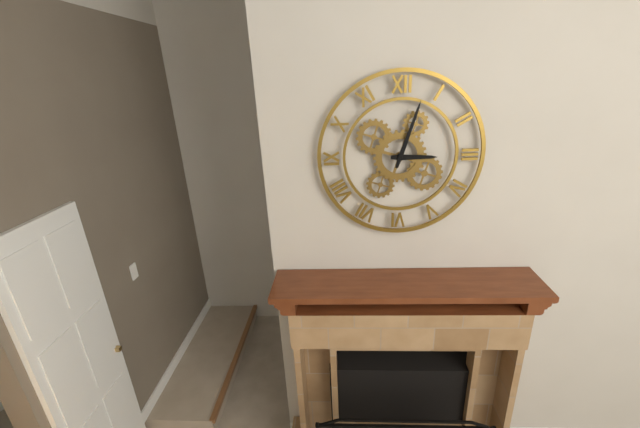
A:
3h03
